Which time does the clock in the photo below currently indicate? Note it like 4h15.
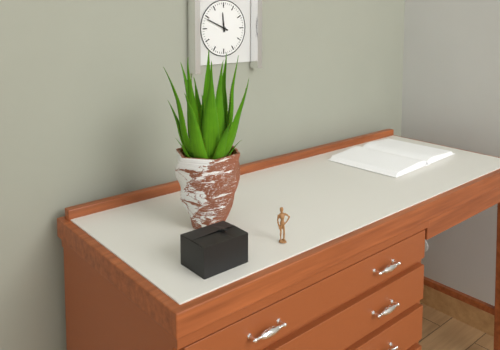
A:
11h49
